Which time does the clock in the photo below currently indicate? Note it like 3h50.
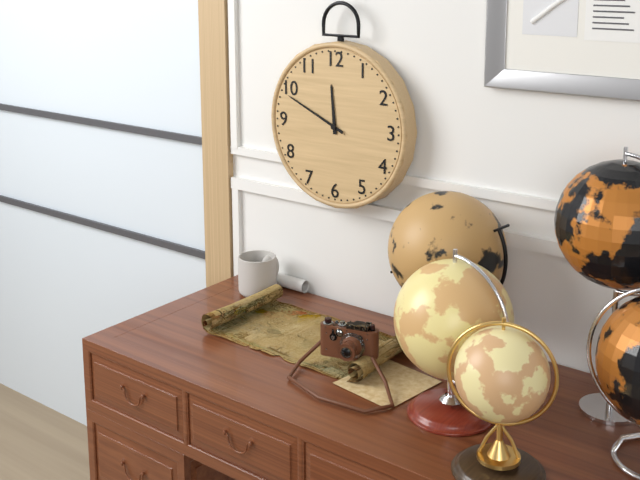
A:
11h49
